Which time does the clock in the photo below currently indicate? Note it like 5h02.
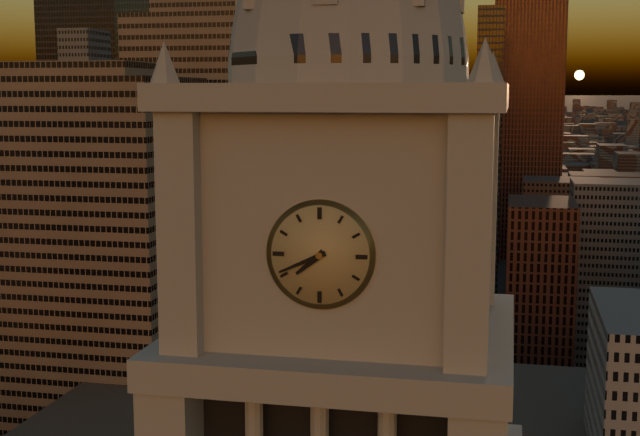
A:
7h41
